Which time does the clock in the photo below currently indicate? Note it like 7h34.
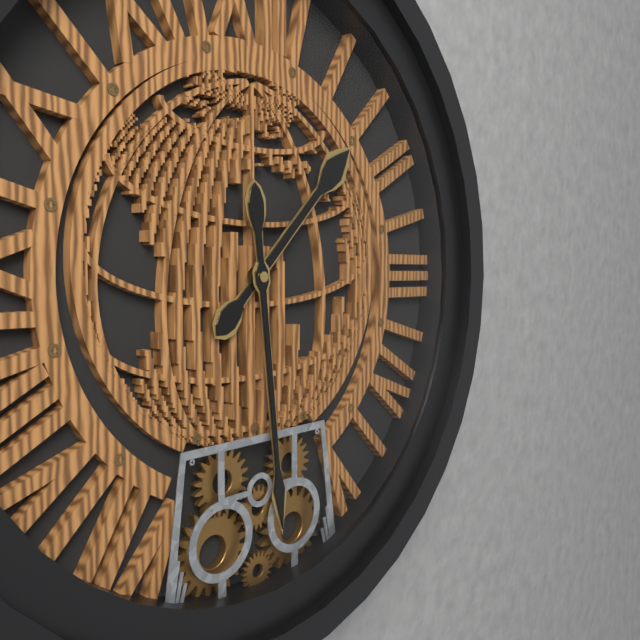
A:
1h29
